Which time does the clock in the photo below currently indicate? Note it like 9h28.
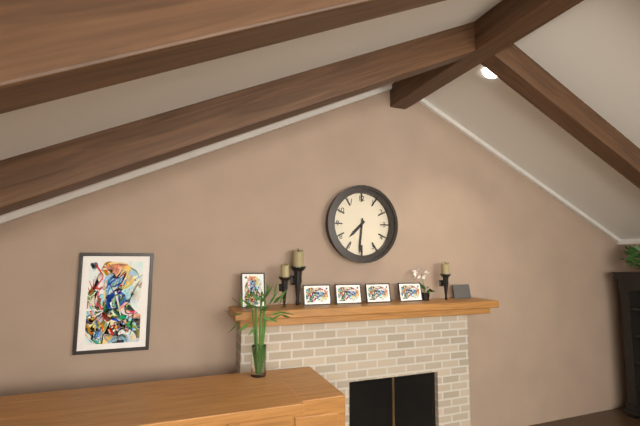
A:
7h31
